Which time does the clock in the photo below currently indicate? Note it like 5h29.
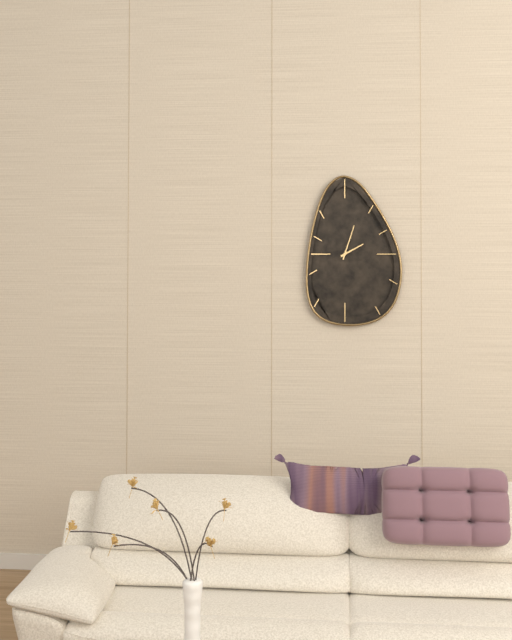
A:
2h03
